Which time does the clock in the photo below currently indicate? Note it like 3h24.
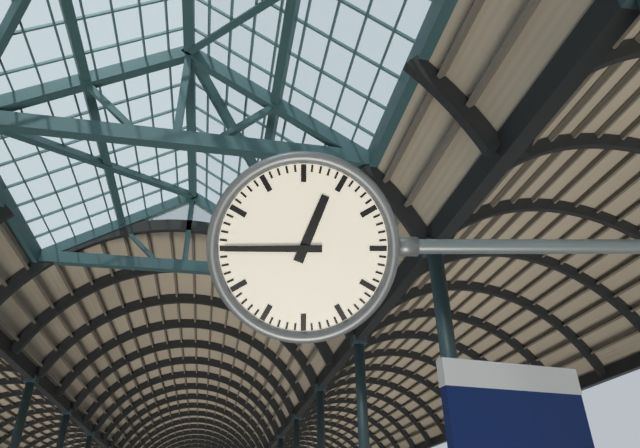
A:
12h45
